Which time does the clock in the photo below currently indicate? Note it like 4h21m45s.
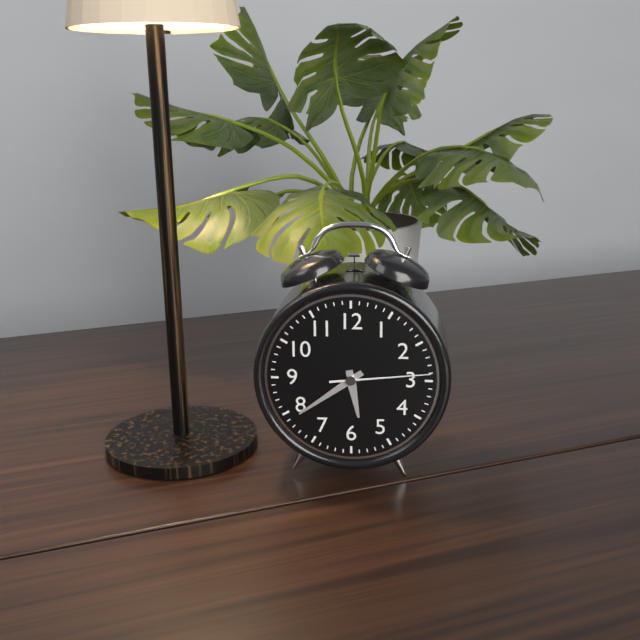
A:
5h39m14s
